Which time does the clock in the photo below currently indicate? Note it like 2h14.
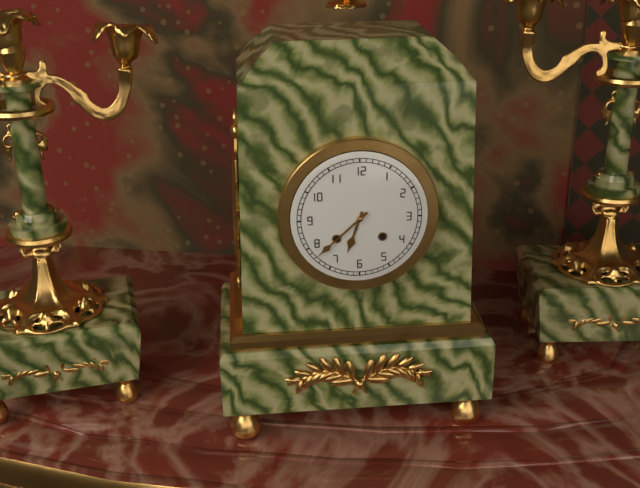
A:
6h38
